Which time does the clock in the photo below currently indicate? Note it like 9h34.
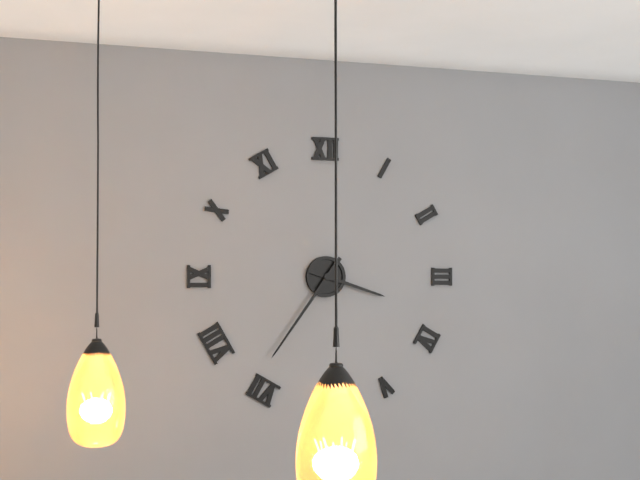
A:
3h36
